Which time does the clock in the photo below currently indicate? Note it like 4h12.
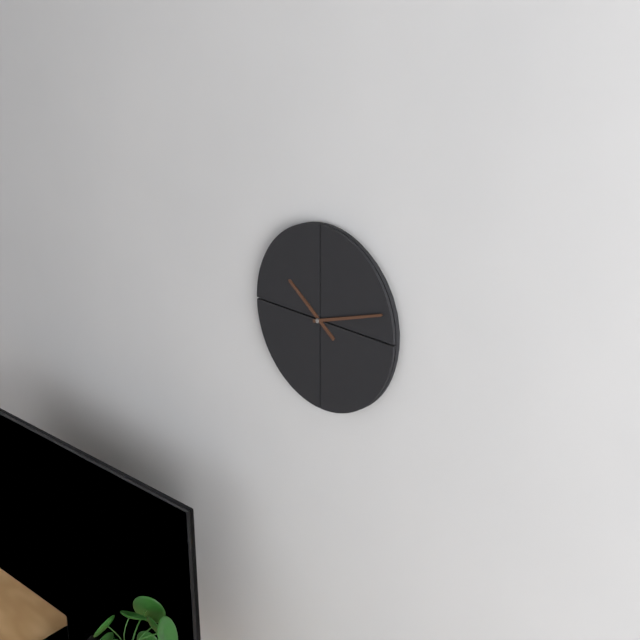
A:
10h12
